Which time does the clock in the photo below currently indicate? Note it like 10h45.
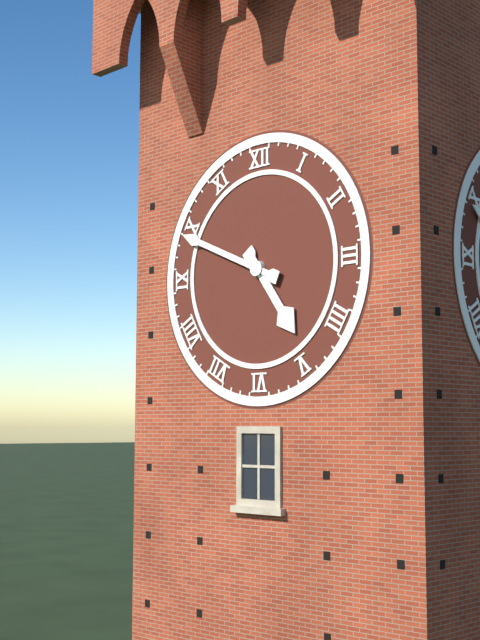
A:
4h49
